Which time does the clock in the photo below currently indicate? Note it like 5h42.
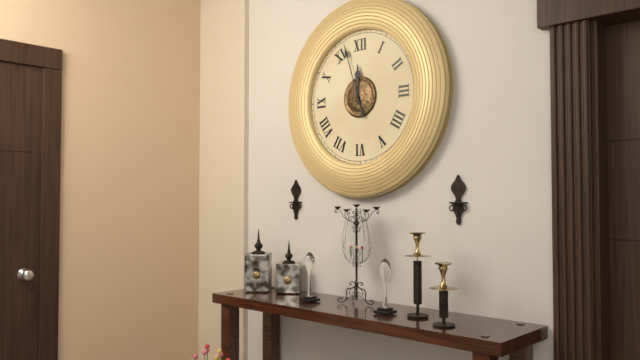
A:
11h57
